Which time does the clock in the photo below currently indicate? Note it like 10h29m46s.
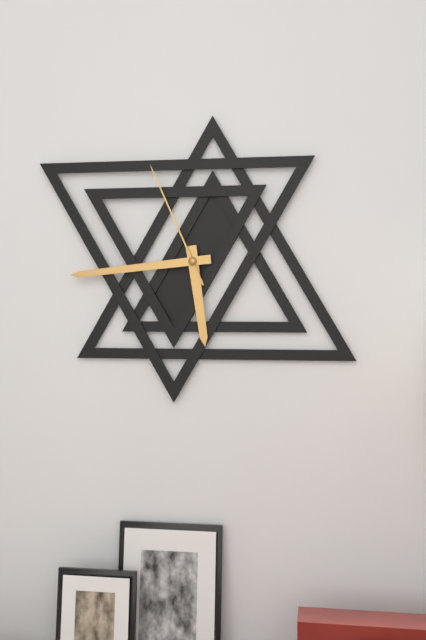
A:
5h44m56s
